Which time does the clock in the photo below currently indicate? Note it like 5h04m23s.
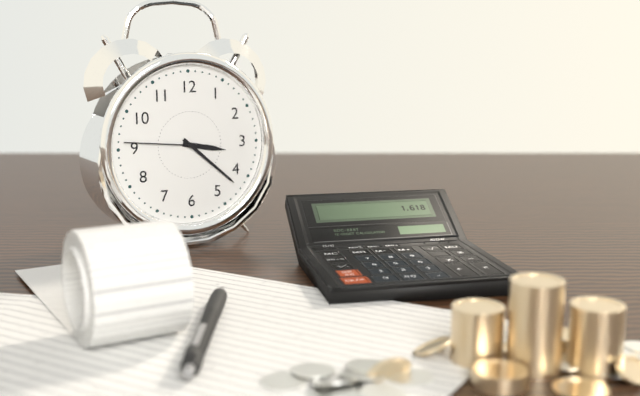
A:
3h22m46s
